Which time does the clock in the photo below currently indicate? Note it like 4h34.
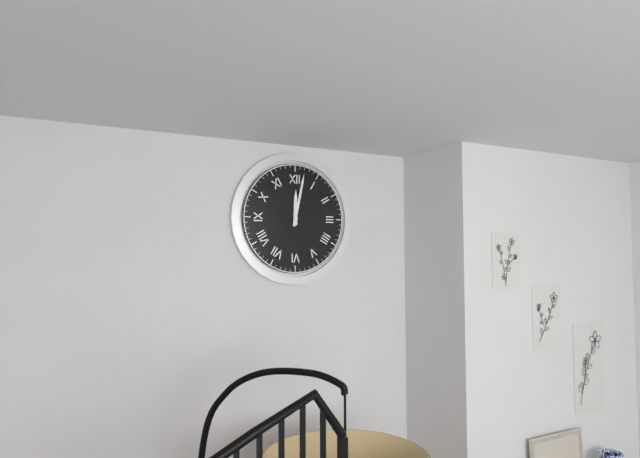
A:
12h02
